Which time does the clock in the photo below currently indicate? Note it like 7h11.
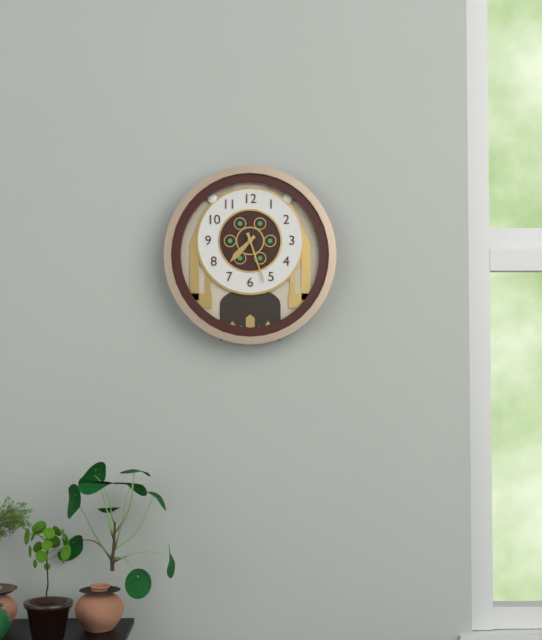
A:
7h27
